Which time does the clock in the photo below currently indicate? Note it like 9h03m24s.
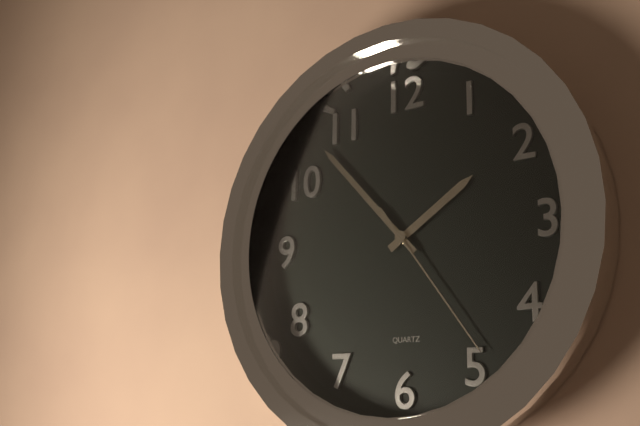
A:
1h53m24s
